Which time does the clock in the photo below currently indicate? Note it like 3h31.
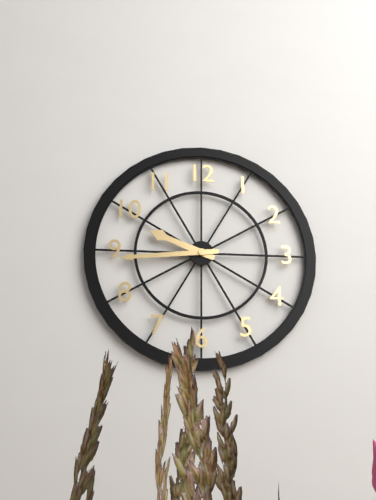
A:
9h44
